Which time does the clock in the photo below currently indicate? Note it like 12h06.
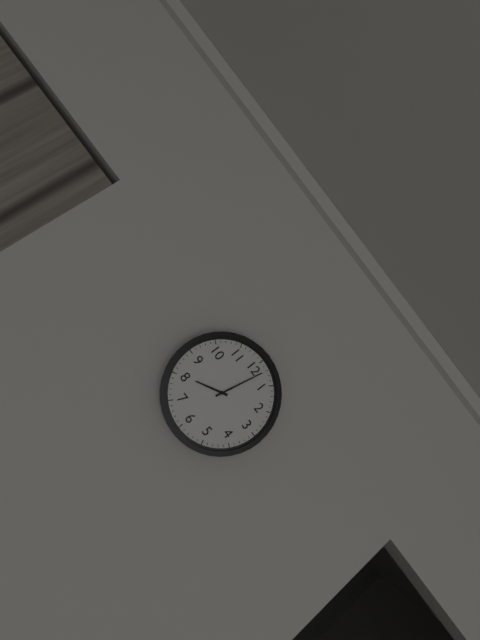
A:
8h02
